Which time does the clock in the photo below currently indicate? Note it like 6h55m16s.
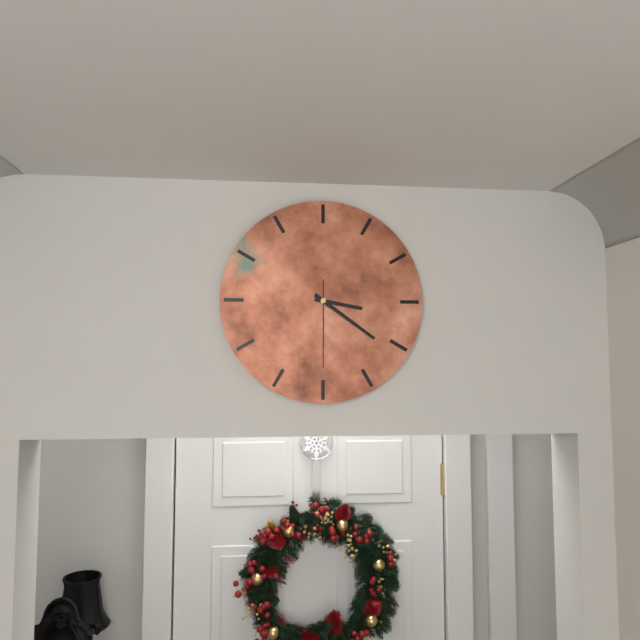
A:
3h21m30s
